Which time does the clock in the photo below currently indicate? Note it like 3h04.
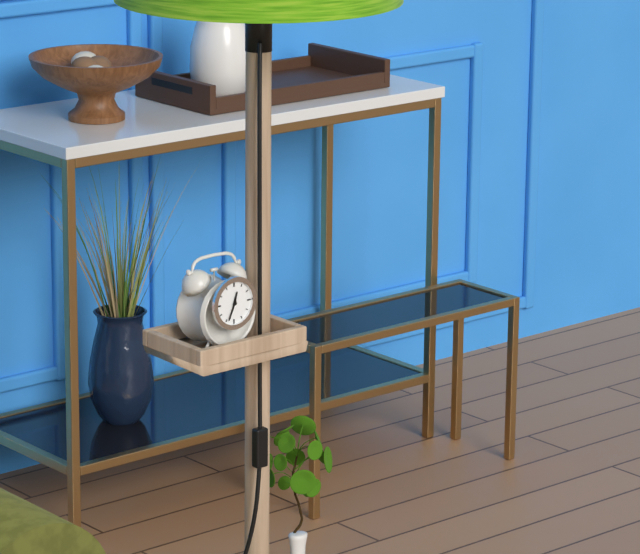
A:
12h34
